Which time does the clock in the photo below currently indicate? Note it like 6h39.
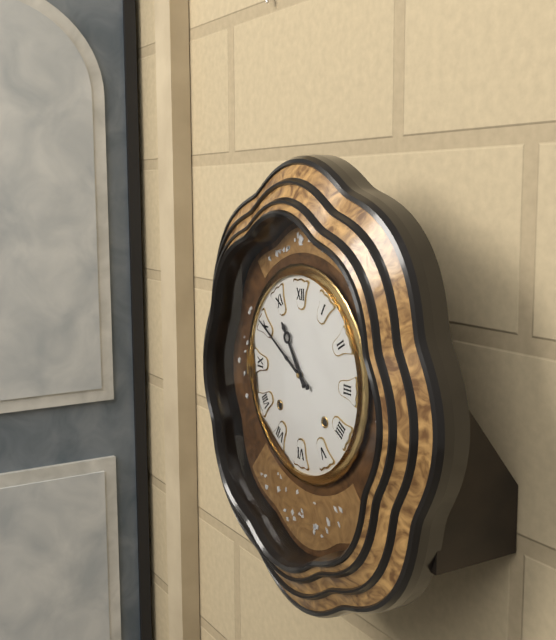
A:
10h50
